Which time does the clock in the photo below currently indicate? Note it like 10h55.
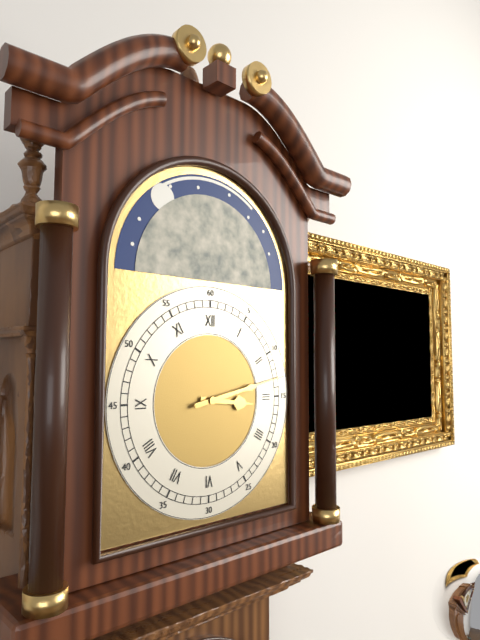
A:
3h13
